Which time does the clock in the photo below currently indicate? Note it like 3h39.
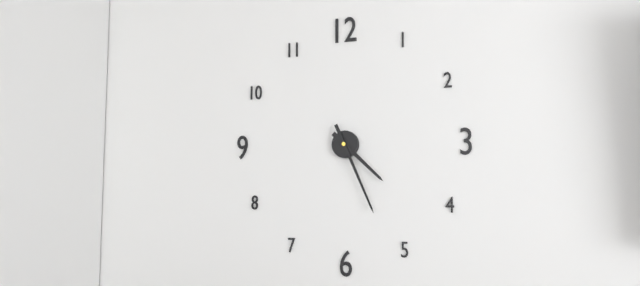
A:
4h26
